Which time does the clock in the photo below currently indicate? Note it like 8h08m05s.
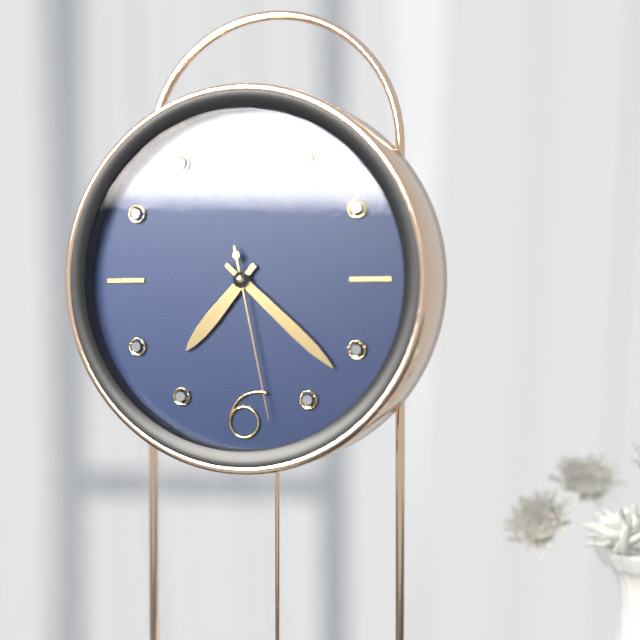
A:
7h22m28s
